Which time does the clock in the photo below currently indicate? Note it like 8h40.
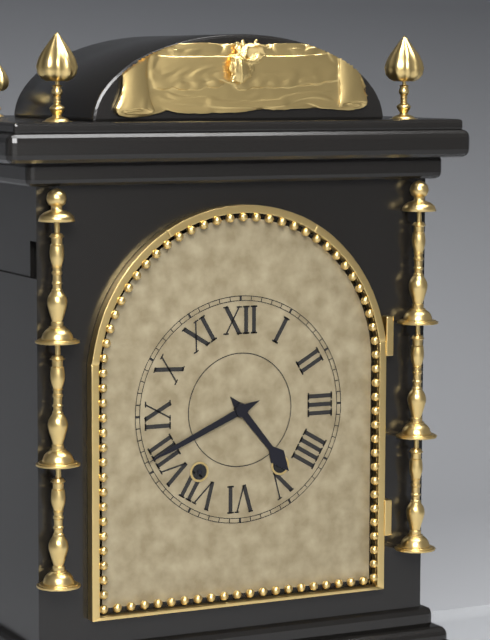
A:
4h41
